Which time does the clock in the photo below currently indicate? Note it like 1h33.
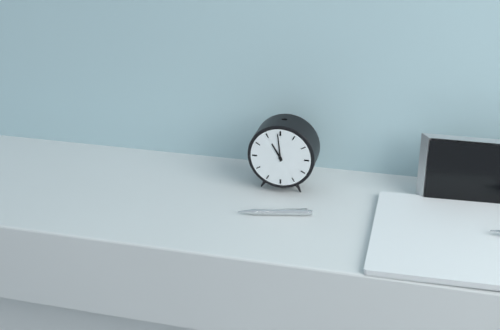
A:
10h59
